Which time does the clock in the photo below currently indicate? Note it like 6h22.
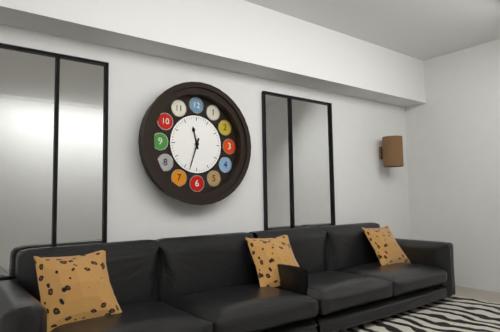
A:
11h33
